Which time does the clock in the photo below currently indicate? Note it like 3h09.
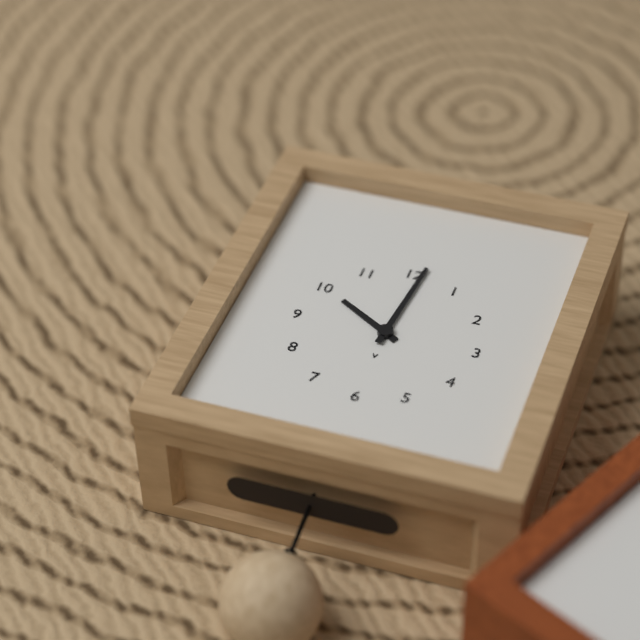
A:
10h01
